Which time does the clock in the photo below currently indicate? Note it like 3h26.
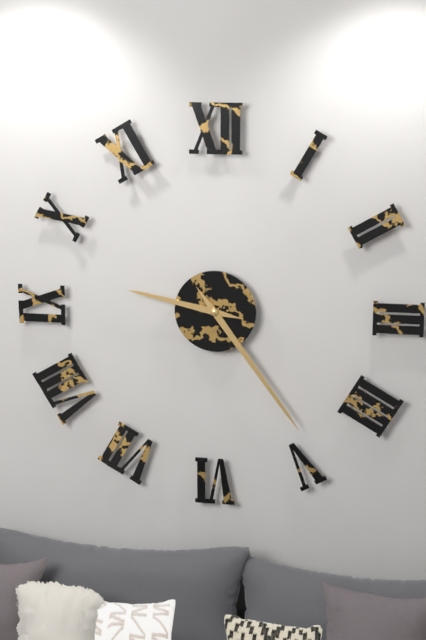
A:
9h24
